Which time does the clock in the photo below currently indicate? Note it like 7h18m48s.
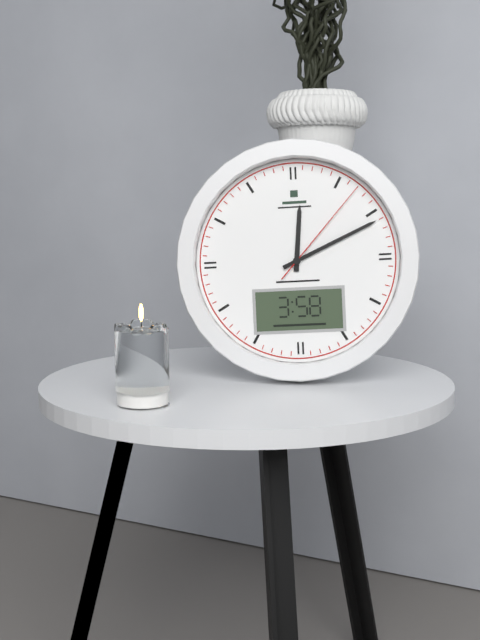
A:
12h11m07s
